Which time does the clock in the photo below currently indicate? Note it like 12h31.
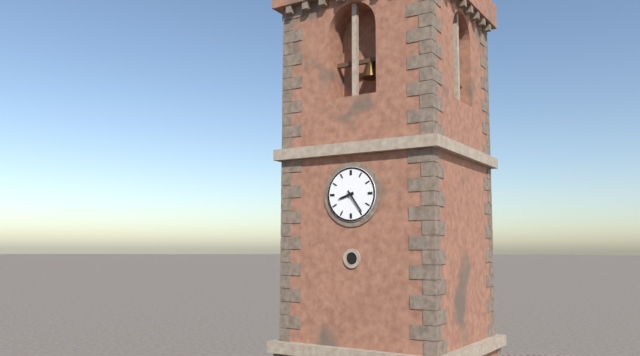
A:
8h24
